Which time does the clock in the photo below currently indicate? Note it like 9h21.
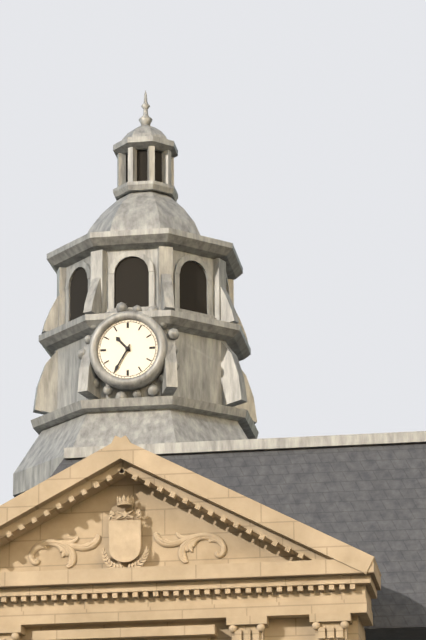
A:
10h35
